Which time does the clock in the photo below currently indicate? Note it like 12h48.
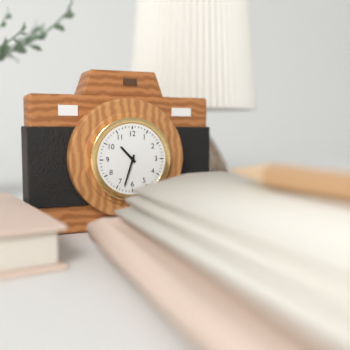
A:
10h33
